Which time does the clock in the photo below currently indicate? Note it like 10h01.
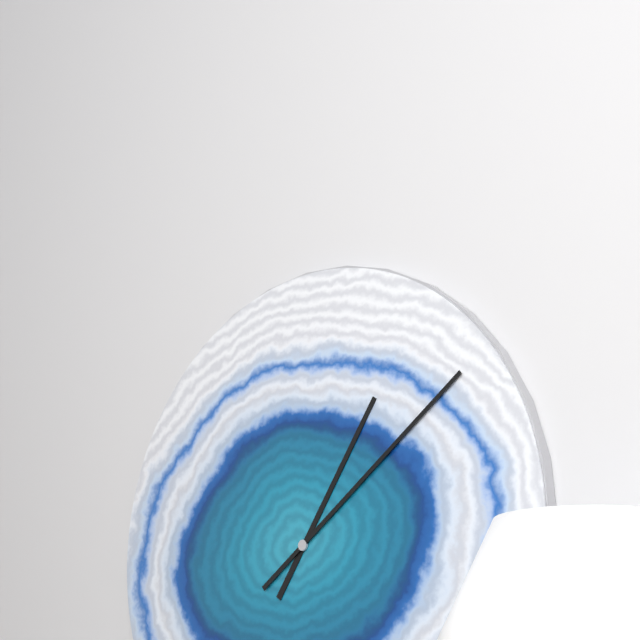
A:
1h09
